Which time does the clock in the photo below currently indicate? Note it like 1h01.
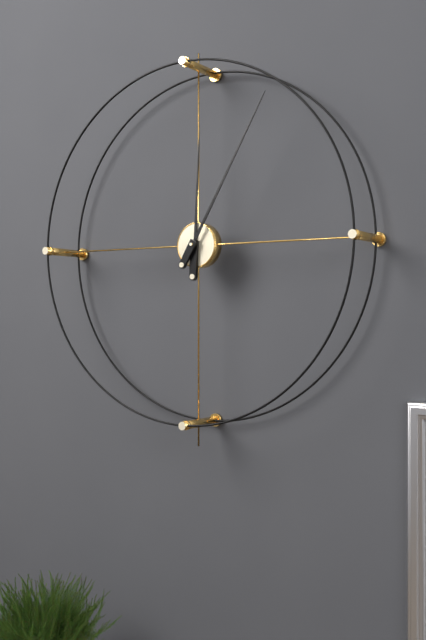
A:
12h05
